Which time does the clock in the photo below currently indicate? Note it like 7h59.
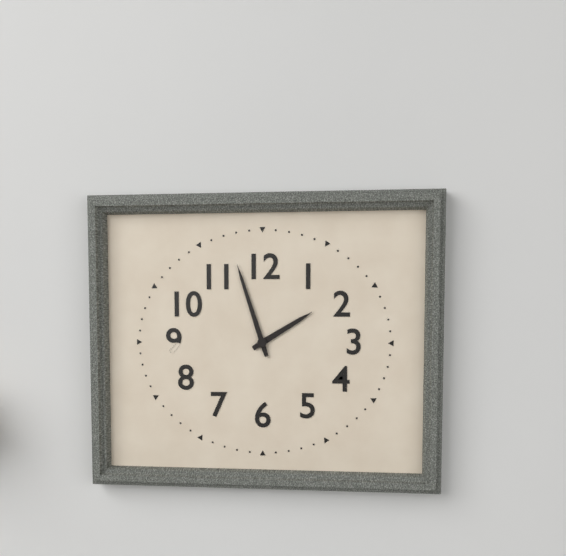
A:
1h57
